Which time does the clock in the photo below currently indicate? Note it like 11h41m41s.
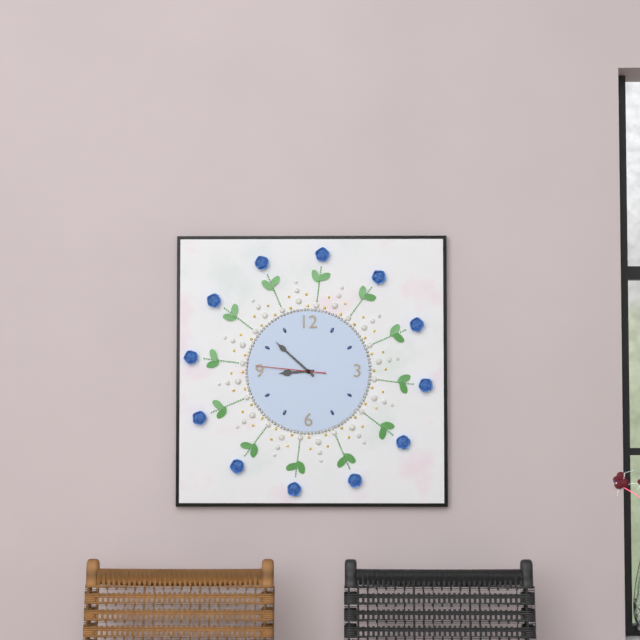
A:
8h52m46s
